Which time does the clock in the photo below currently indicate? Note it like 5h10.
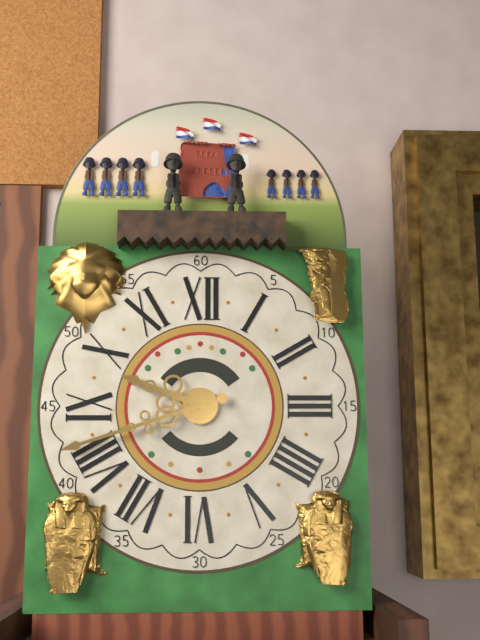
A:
9h42
